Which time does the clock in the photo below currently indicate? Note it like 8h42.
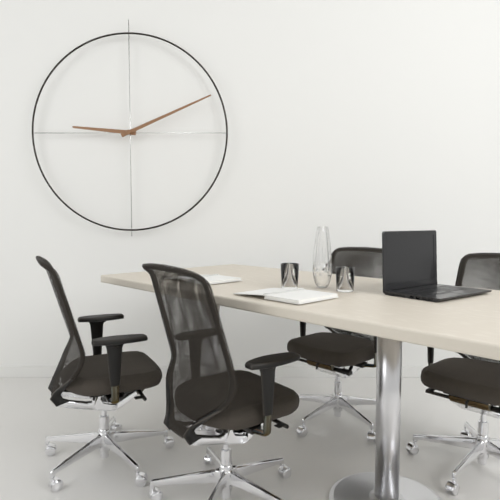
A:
9h11
